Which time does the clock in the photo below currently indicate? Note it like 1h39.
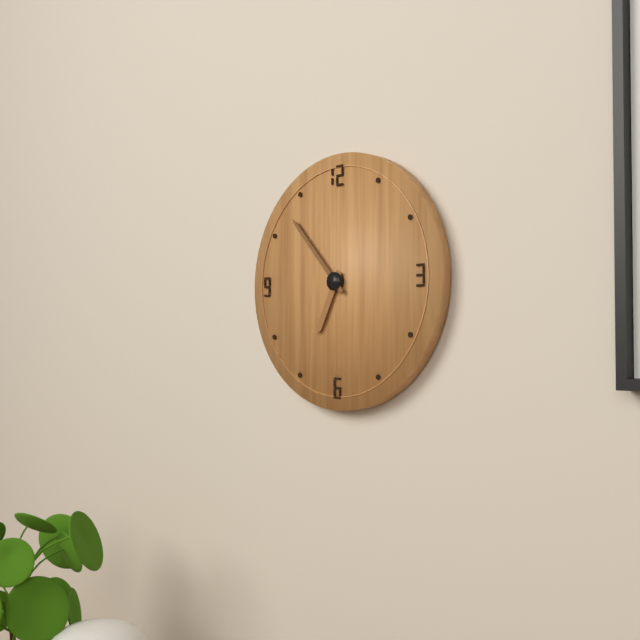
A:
6h53
